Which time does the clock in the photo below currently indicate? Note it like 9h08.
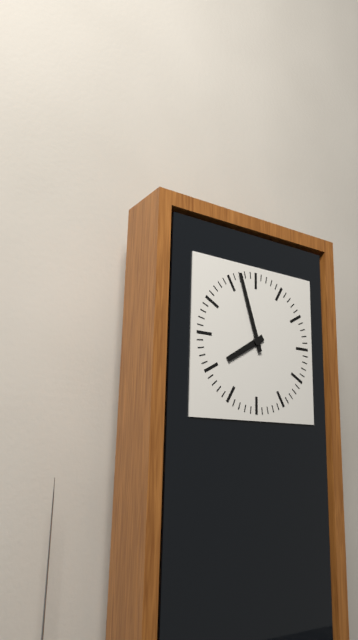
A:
7h57
